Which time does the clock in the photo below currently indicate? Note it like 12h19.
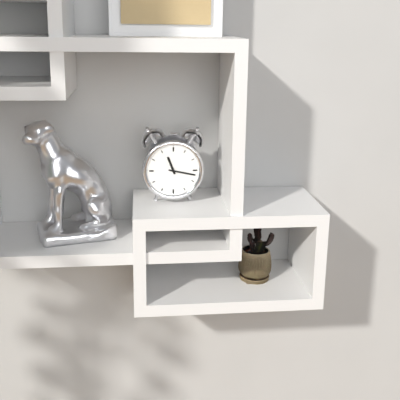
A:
11h17
